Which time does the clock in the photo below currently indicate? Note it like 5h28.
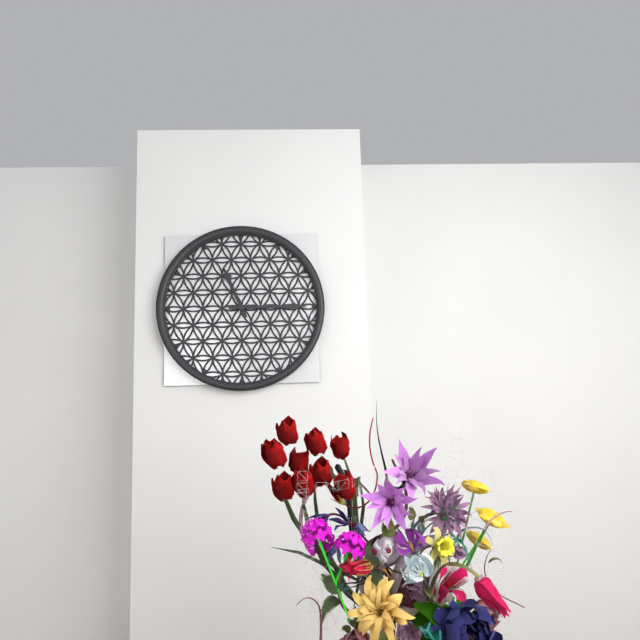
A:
11h15
